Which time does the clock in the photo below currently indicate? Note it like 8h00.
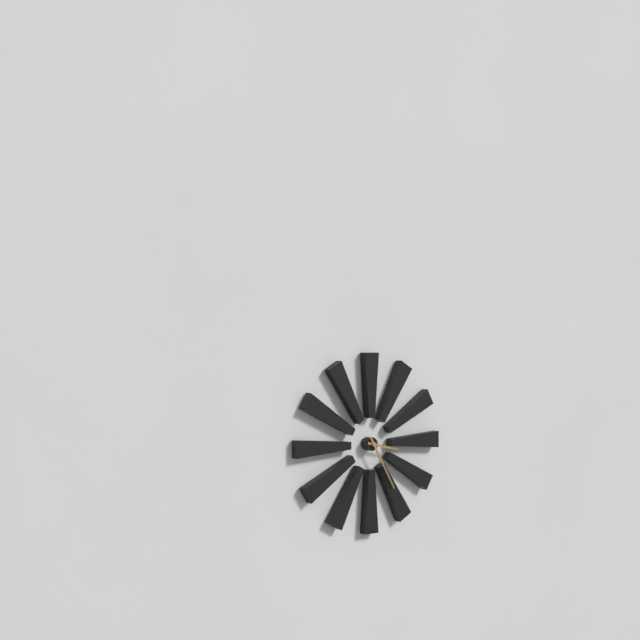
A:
3h25
